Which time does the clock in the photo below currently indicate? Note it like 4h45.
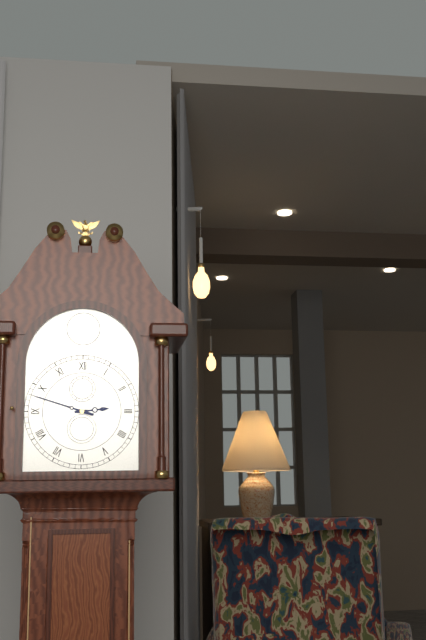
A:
2h48
